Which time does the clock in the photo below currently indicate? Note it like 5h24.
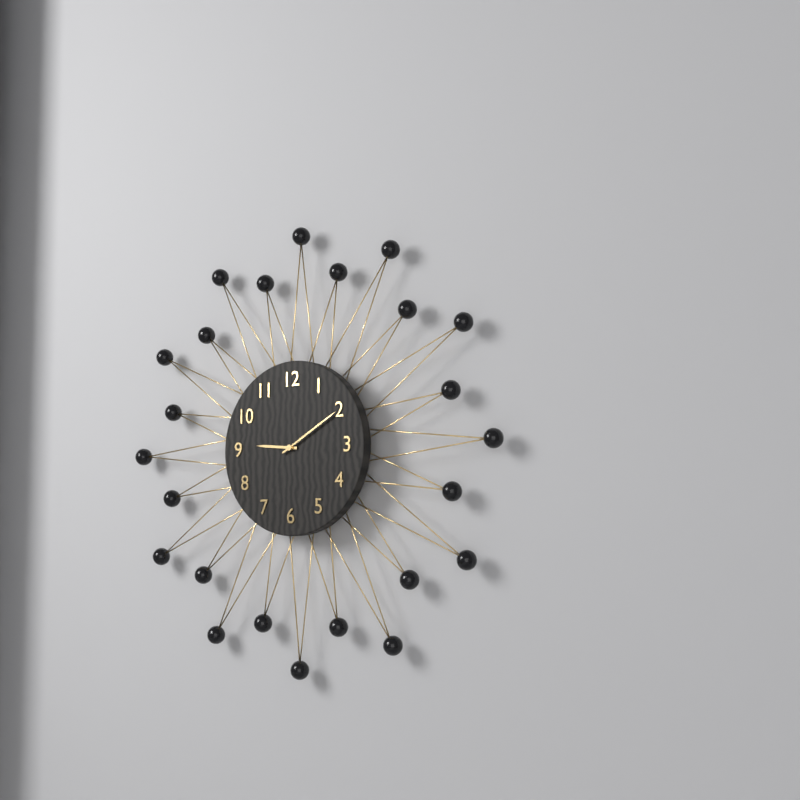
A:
9h10
